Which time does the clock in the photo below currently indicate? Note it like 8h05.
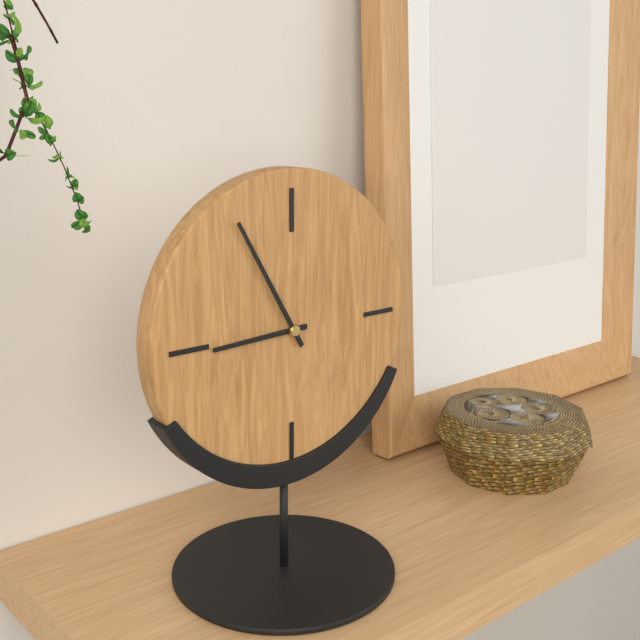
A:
8h55
